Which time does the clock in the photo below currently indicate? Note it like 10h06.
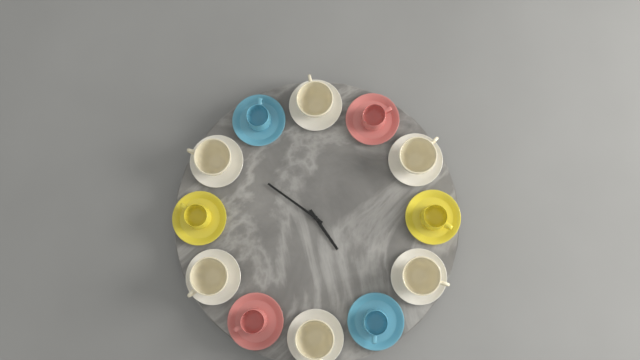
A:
4h51
